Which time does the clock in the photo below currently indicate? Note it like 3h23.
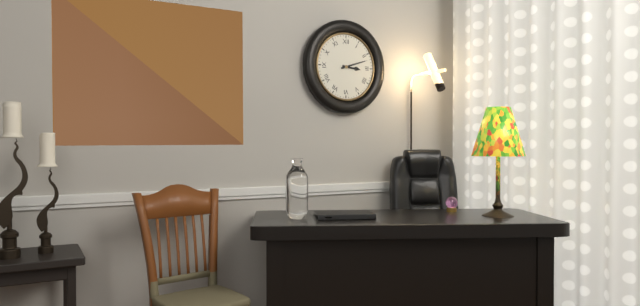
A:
3h12
